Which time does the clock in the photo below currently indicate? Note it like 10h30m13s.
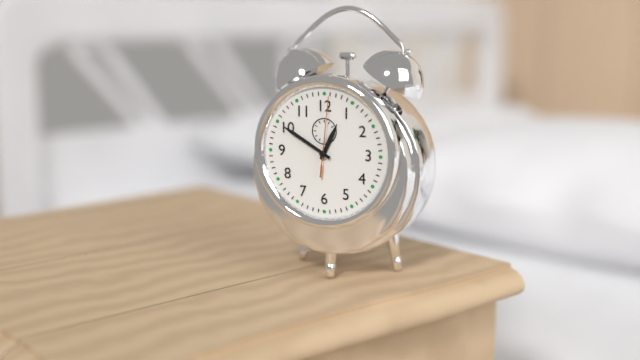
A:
12h50m01s
